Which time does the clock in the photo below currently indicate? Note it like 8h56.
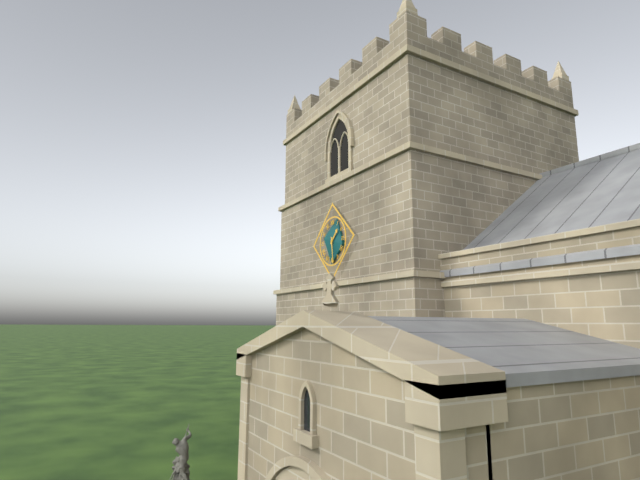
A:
1h29
